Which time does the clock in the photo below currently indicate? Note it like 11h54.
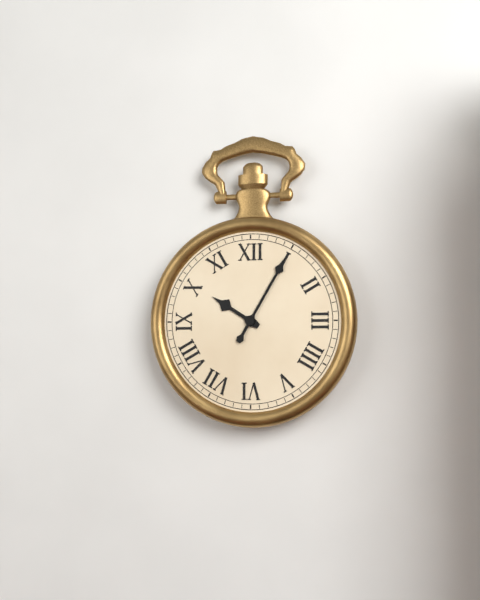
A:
10h05
